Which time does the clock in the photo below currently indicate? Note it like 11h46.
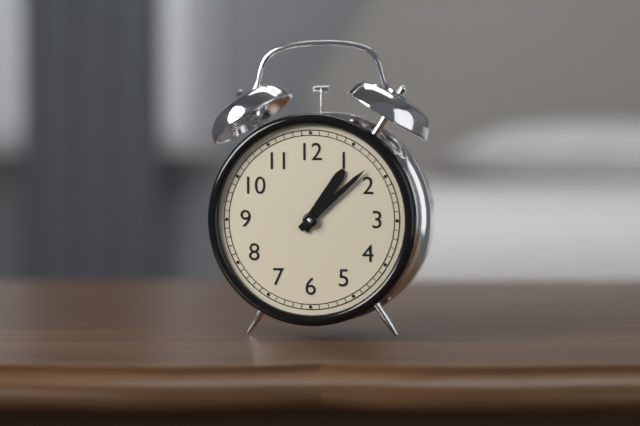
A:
1h08
